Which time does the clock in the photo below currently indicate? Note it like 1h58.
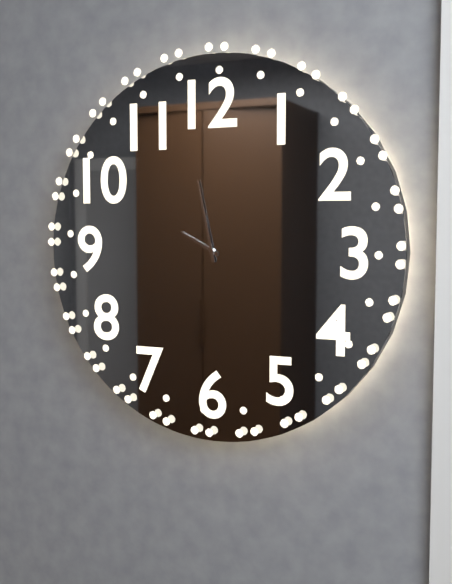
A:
9h58
